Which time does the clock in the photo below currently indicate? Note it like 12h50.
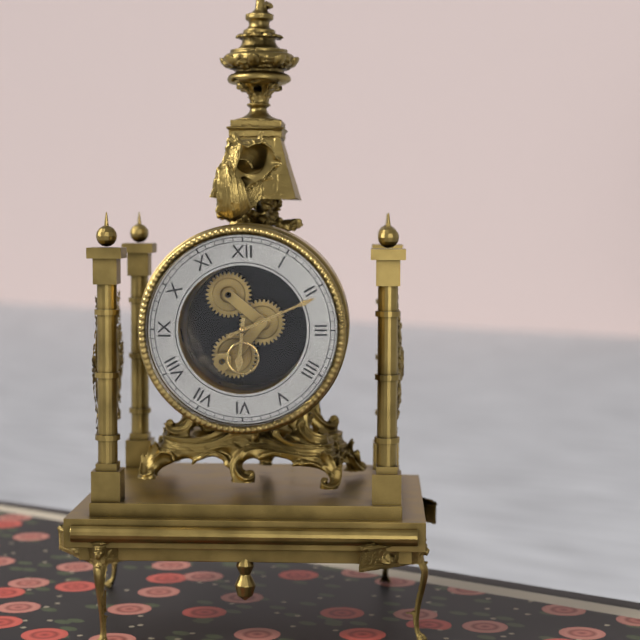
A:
6h11
